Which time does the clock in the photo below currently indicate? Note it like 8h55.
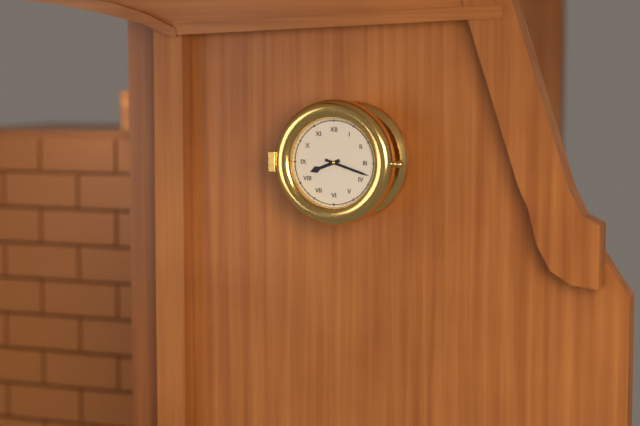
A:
8h18
